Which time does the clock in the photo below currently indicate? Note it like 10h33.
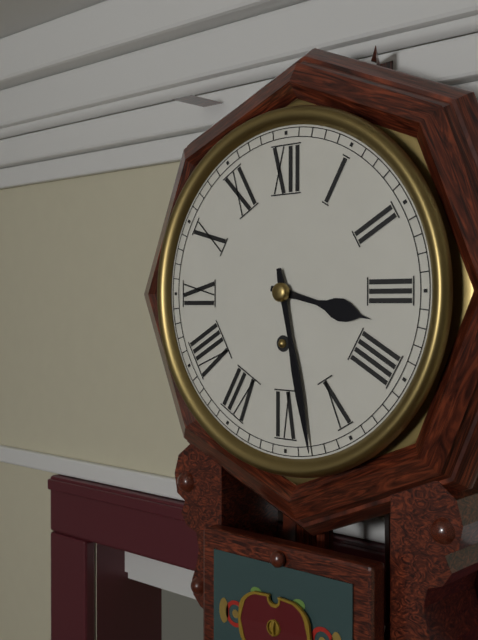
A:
3h28
